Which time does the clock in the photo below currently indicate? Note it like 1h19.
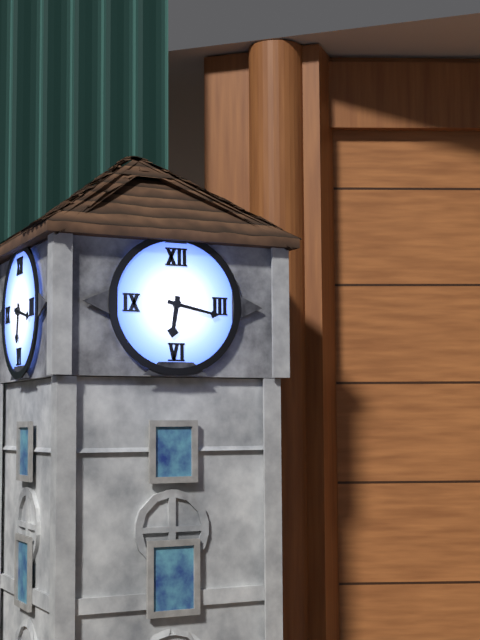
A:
6h17
